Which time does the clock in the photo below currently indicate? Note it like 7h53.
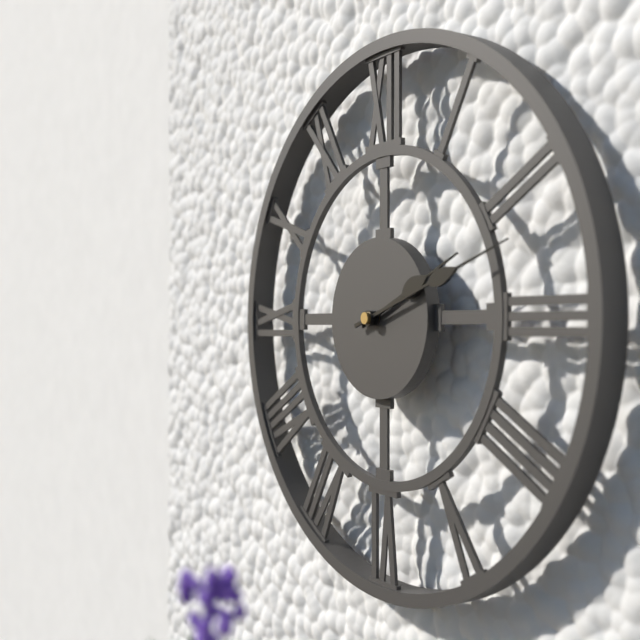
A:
2h12
